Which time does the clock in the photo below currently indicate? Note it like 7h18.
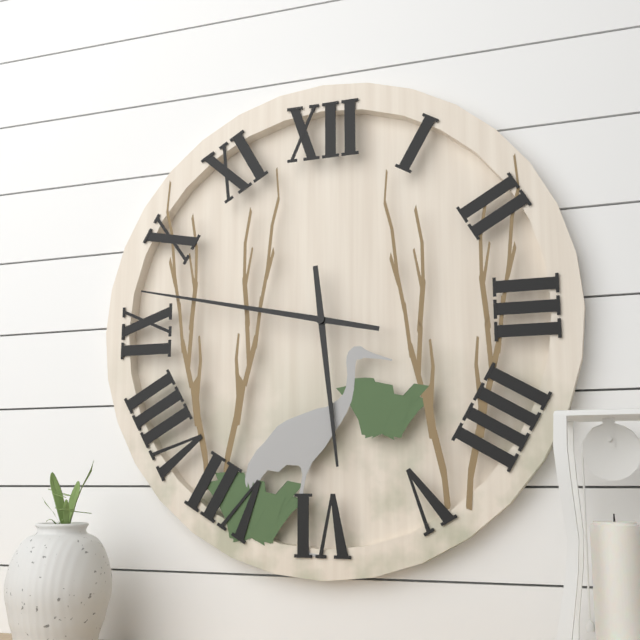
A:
5h47
